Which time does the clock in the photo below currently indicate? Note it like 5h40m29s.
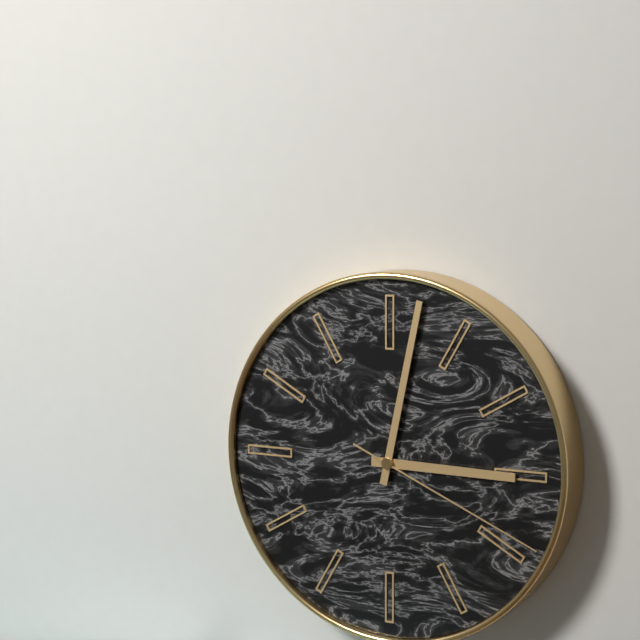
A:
3h02m19s
